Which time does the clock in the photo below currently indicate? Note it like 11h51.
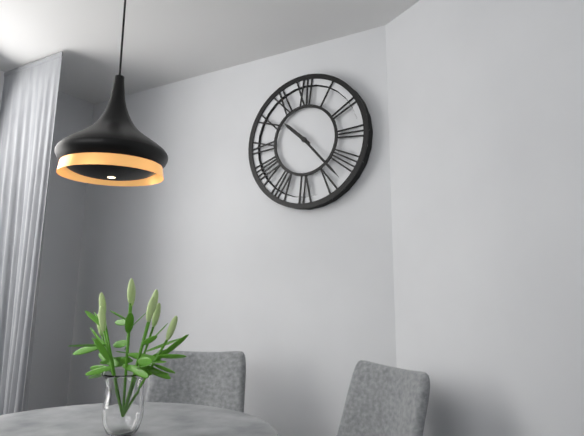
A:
10h23
